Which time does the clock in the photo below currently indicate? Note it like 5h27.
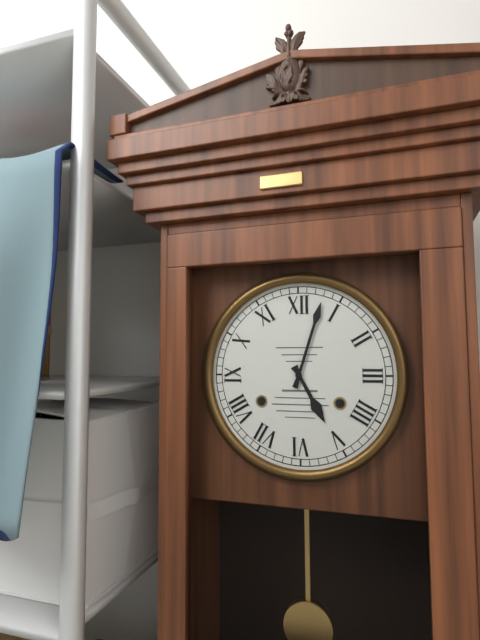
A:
5h03
